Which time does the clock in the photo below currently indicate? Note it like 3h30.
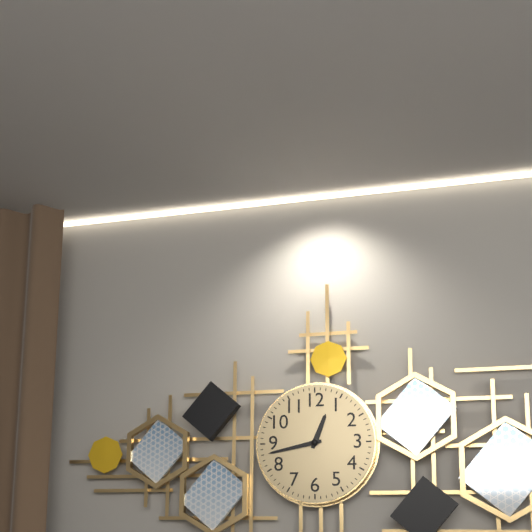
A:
12h43
